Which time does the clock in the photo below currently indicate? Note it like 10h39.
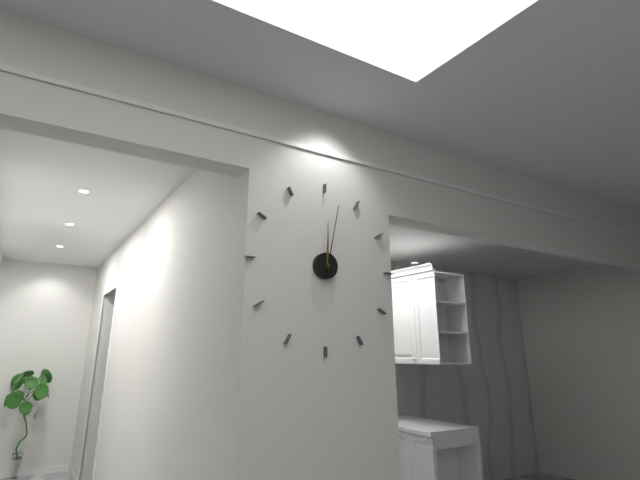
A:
12h02
